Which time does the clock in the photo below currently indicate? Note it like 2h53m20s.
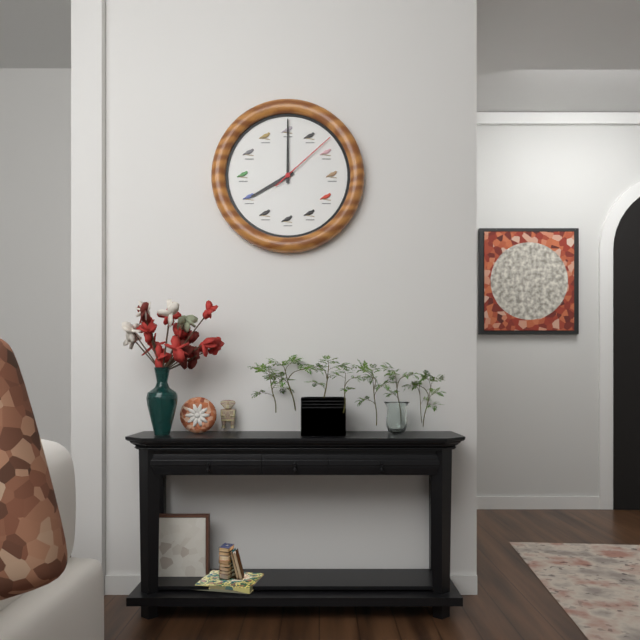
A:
8h00m08s
